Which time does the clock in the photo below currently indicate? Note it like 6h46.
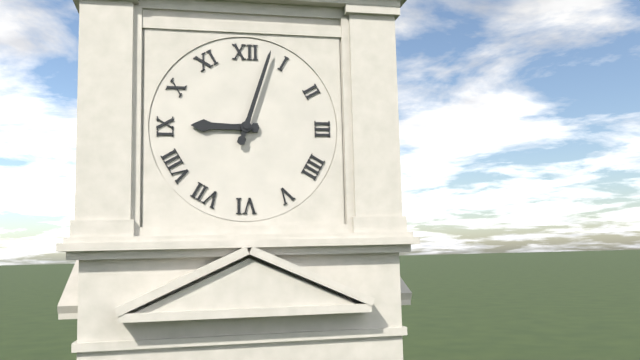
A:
9h03
